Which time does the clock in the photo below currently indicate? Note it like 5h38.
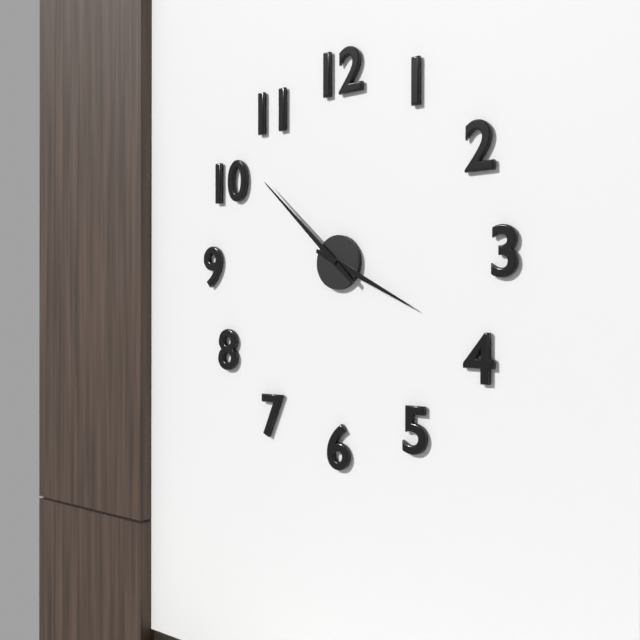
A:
3h52
